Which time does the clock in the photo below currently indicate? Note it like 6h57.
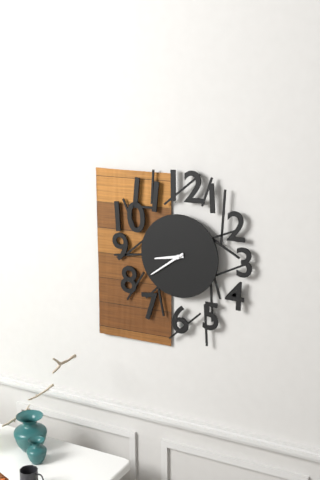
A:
8h39
